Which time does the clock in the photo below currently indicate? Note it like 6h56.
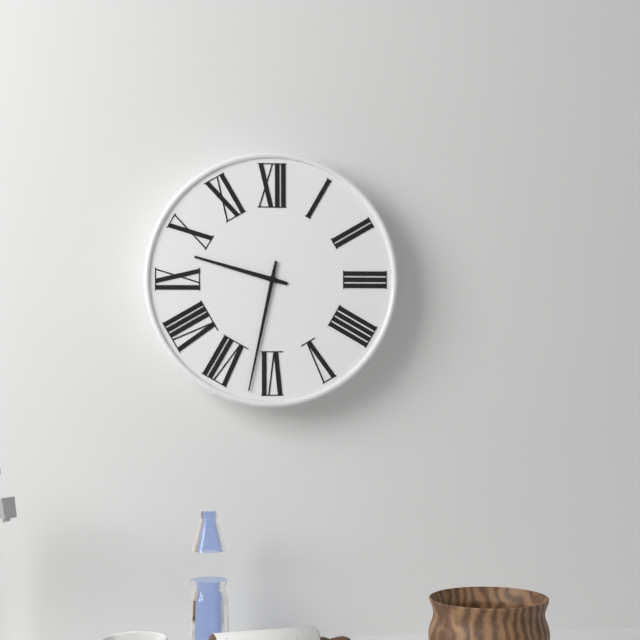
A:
9h32
